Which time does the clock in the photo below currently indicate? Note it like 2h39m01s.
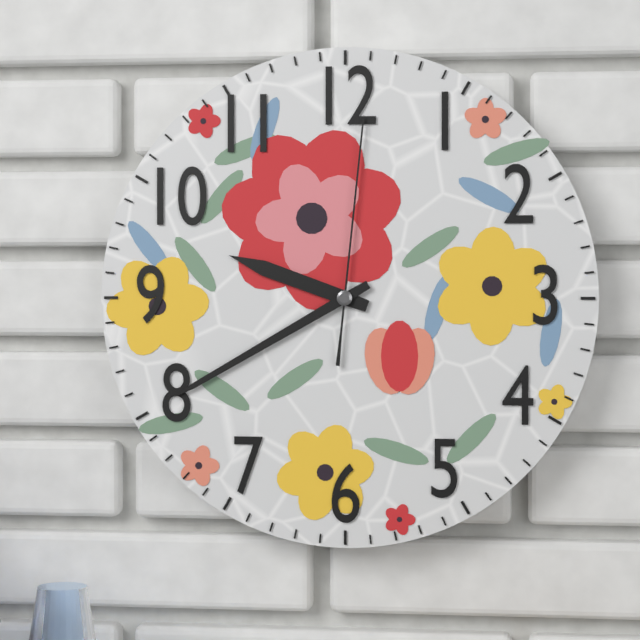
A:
9h40m01s
